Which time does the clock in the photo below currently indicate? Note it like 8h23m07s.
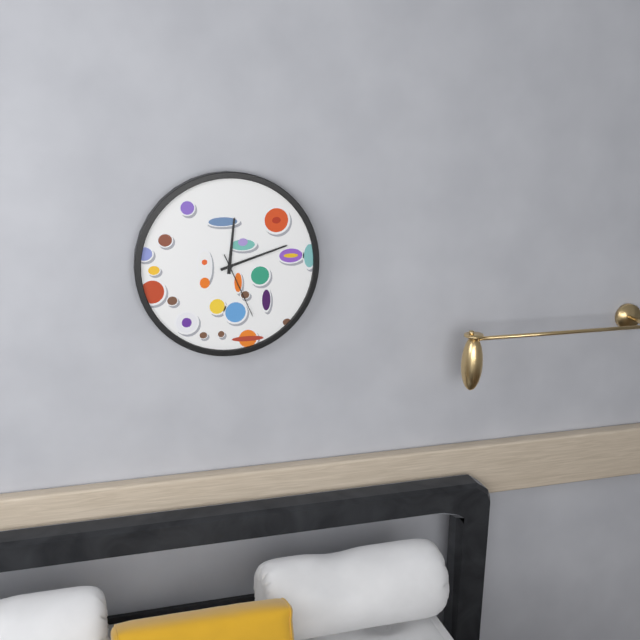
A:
12h12m26s
